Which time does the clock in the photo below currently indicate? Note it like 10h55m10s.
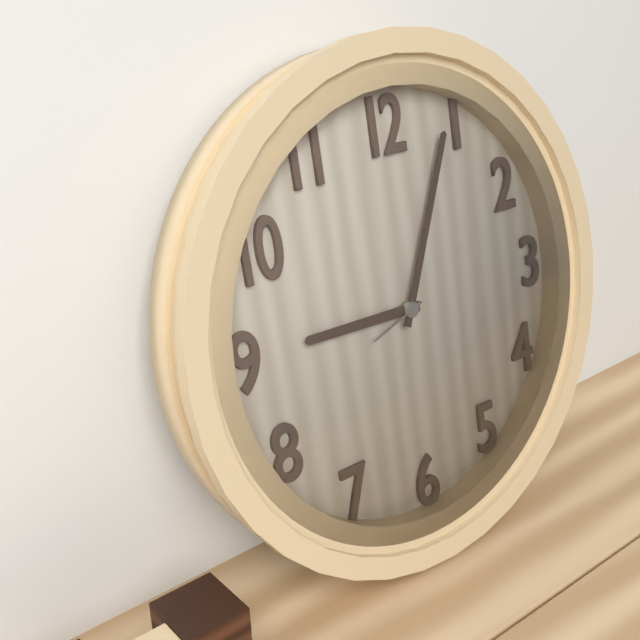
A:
9h04m42s
